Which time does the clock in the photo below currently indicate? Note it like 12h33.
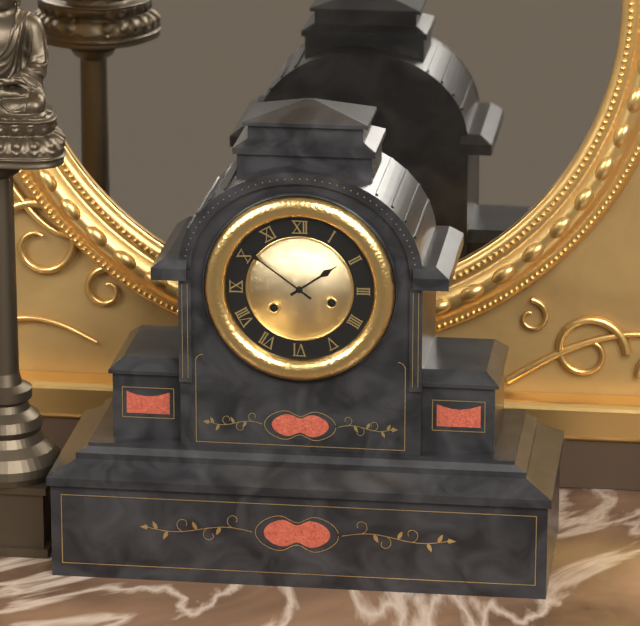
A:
1h51
